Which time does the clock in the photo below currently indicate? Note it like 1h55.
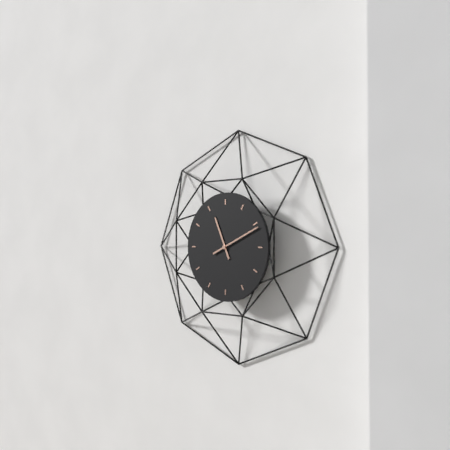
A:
11h11
